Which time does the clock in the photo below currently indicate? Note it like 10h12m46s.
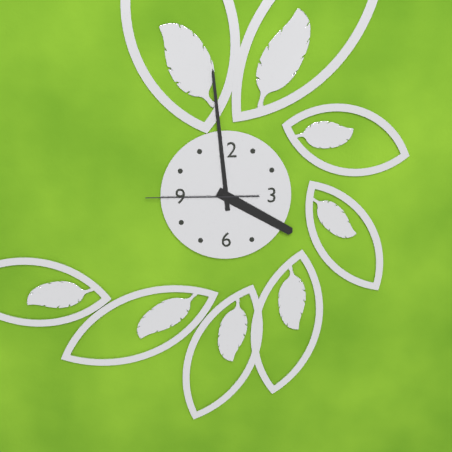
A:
3h59m45s
